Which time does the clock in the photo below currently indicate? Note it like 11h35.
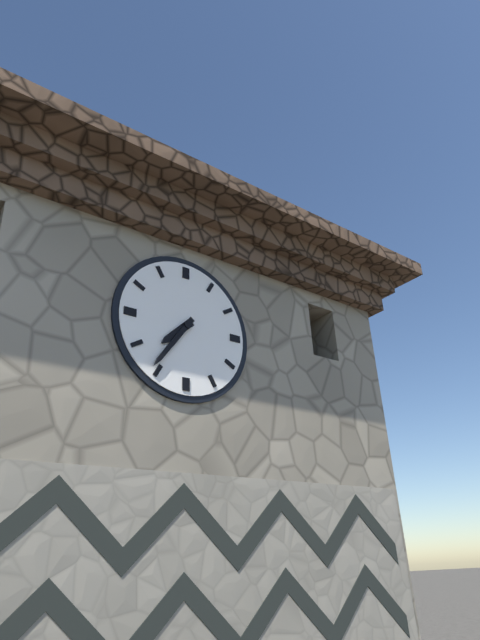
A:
7h36
